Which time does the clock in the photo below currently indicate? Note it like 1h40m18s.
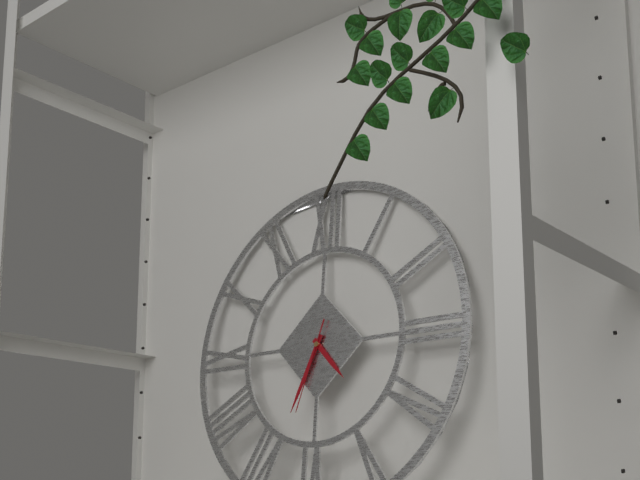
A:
4h34m33s
